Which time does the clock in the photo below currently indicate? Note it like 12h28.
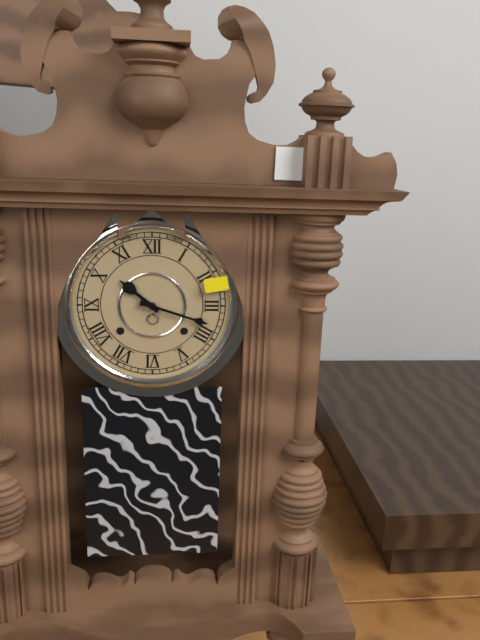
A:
10h18
